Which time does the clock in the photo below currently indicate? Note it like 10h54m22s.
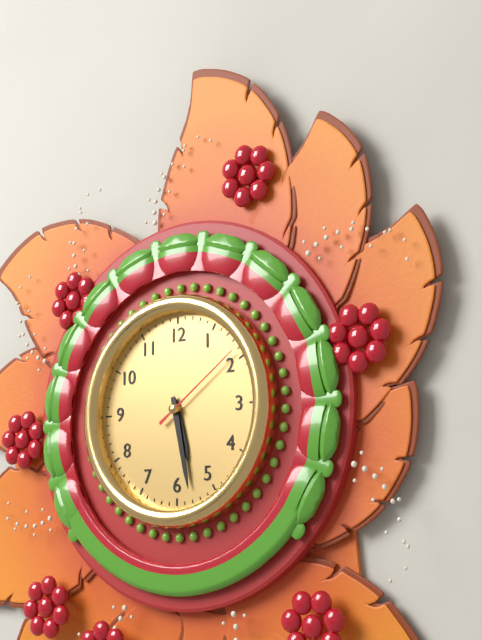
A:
5h28m09s
